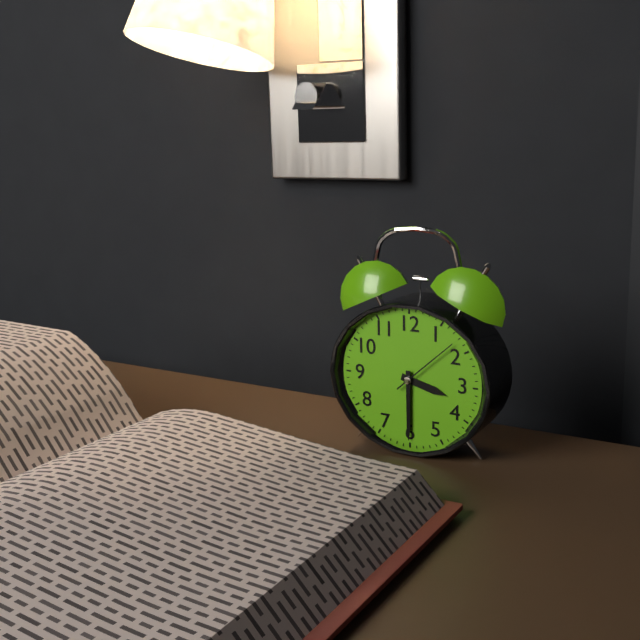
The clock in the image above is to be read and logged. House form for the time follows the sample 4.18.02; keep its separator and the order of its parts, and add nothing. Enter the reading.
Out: 3.30.08
